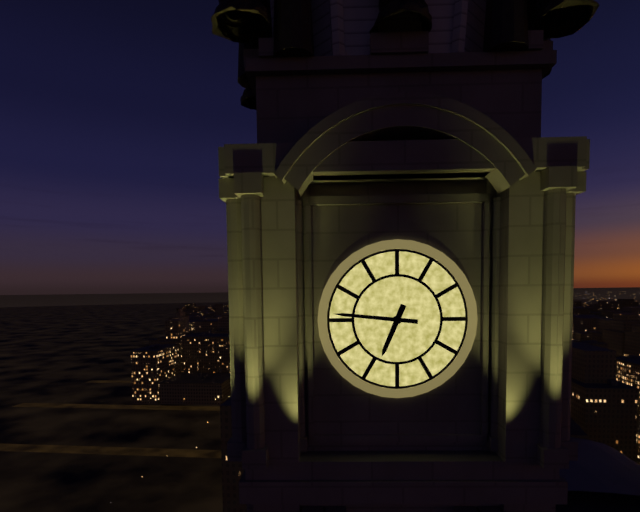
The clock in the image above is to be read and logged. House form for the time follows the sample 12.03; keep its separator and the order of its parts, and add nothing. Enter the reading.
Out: 6.46
